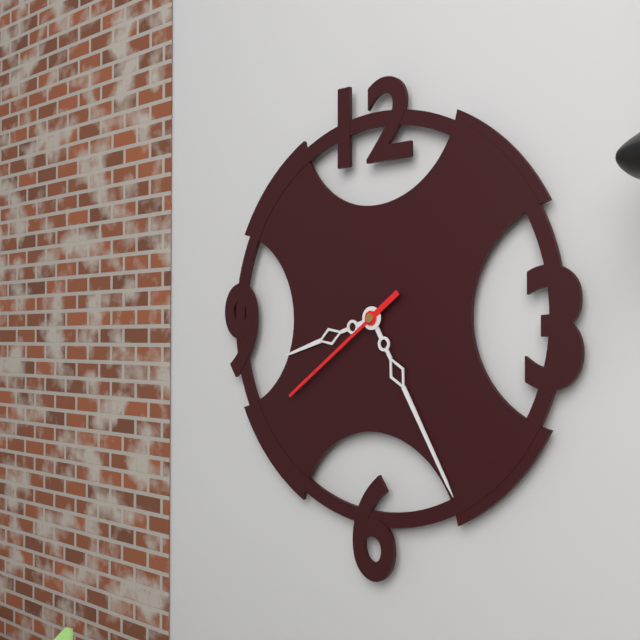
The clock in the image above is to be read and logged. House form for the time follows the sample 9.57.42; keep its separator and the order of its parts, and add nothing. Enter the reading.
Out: 8.25.39
